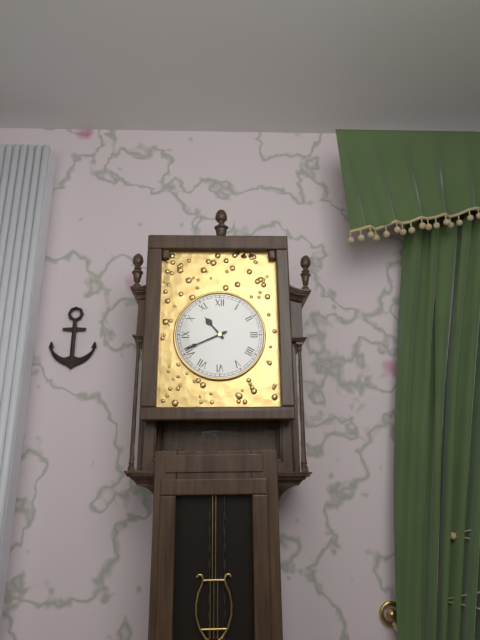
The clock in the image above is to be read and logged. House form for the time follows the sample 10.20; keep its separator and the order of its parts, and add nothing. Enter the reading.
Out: 10.41
